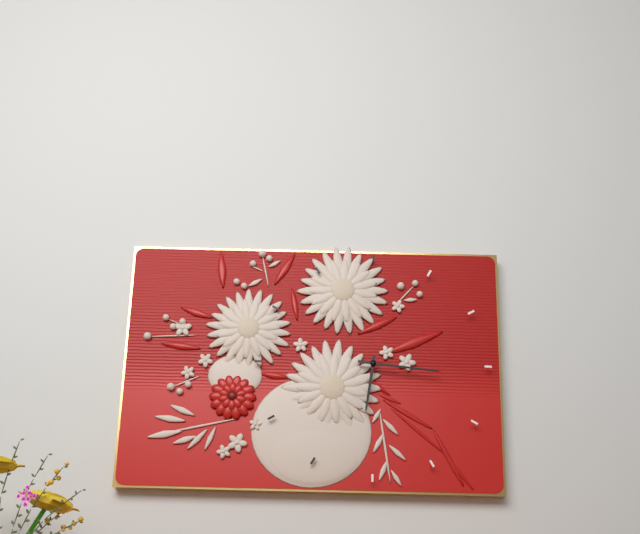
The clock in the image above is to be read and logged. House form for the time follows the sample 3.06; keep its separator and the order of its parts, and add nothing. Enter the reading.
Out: 6.16
